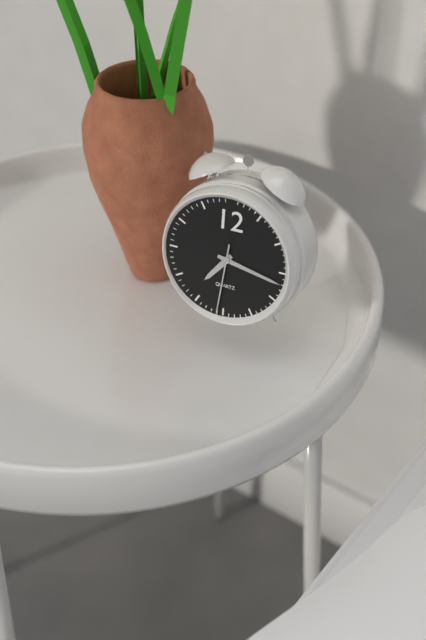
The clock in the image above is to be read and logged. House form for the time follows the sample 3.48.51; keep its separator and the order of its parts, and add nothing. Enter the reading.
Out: 7.17.31
